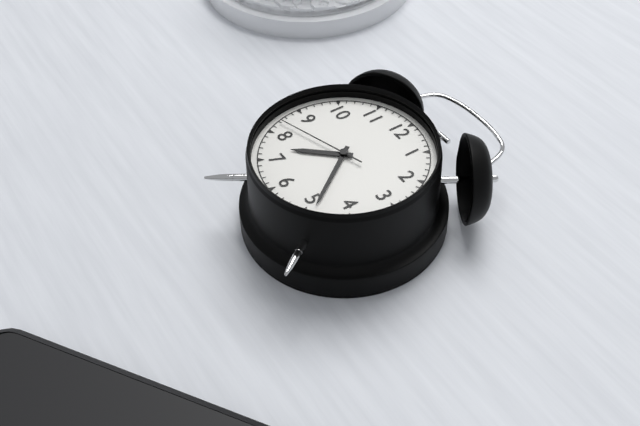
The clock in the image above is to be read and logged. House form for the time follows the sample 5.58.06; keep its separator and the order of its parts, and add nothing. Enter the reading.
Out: 7.24.42
